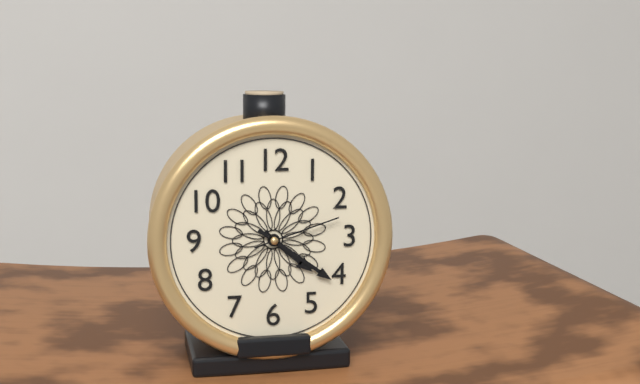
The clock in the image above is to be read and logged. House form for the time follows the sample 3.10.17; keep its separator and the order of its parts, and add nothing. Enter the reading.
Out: 4.21.12
